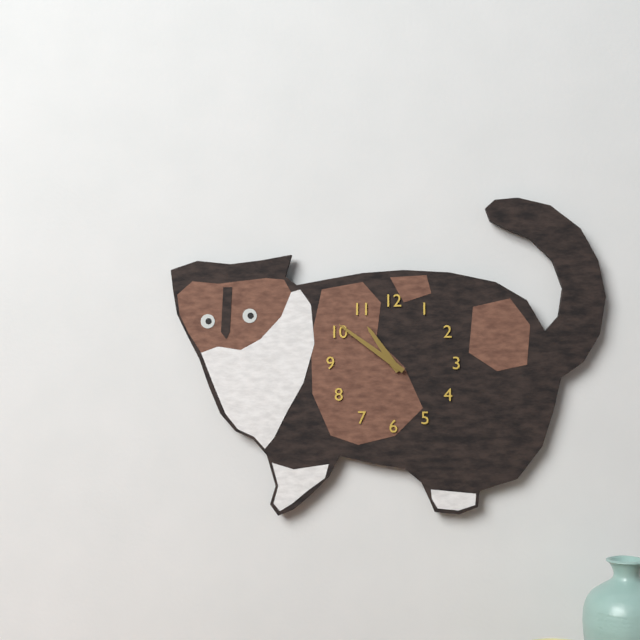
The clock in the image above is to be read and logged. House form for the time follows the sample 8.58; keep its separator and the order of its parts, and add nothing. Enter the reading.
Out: 10.51
